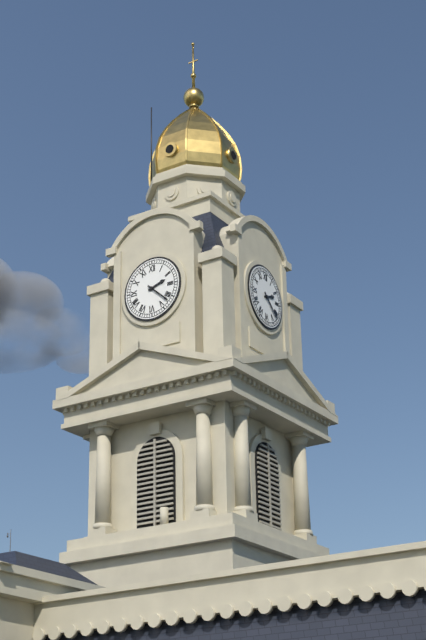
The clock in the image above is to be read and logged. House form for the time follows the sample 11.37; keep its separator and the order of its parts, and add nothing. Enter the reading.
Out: 2.22
